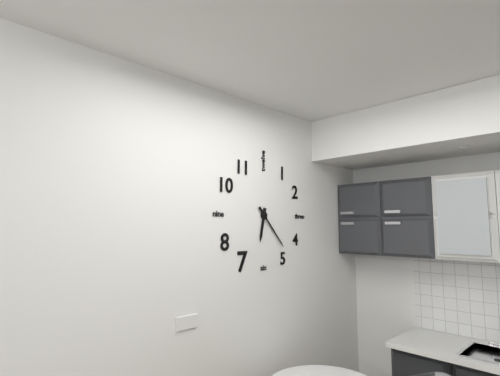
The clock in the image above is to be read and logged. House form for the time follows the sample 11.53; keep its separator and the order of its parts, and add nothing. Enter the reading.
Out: 6.23
